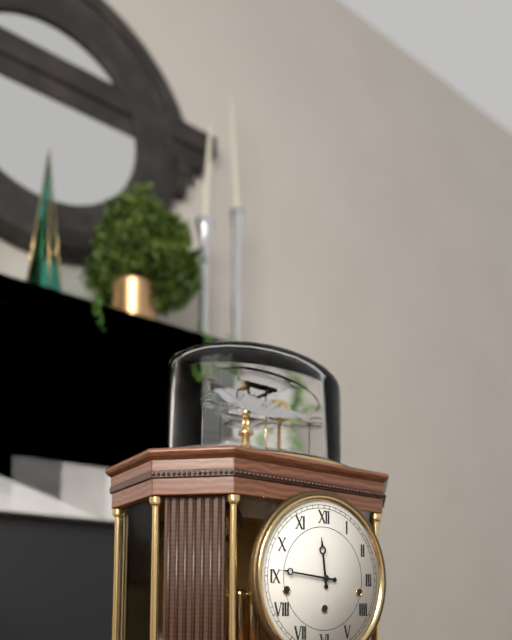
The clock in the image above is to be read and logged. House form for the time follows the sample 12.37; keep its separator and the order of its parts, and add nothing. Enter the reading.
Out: 11.46
